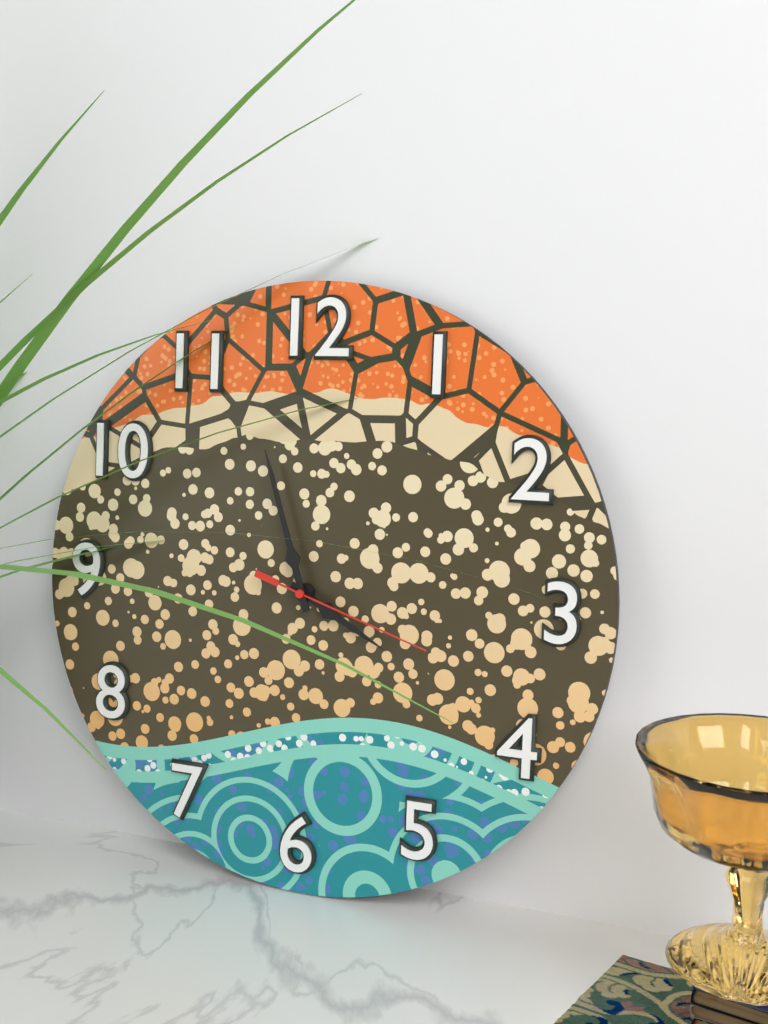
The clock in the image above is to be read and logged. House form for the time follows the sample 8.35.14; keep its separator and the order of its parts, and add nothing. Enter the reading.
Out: 3.57.18
